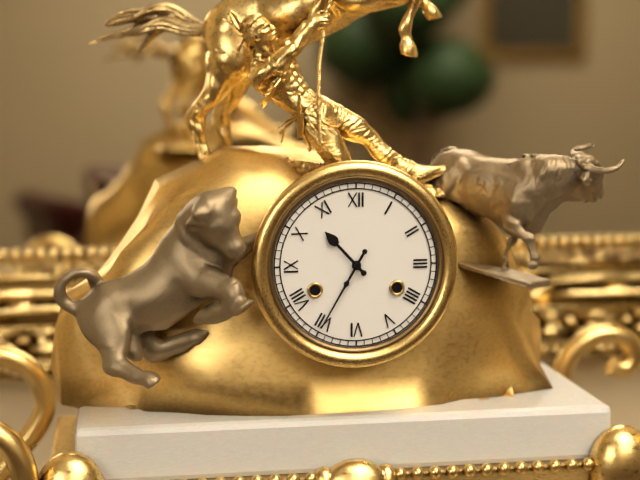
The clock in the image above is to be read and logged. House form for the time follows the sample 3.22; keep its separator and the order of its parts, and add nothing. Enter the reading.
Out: 10.35
